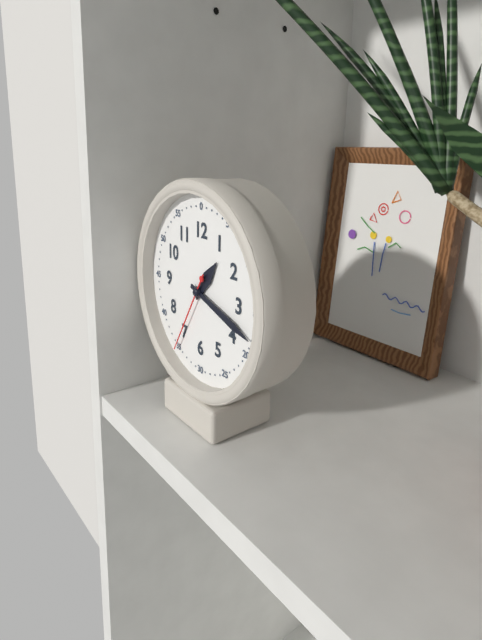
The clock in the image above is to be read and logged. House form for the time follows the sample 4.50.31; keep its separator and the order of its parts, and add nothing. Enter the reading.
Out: 1.18.35
